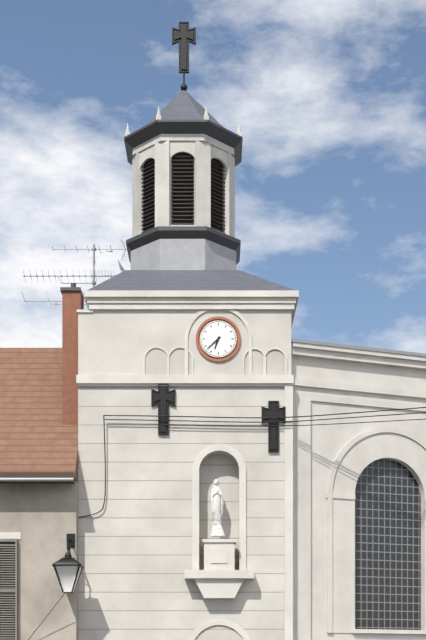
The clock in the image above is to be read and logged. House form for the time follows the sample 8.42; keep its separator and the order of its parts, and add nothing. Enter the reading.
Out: 6.38
